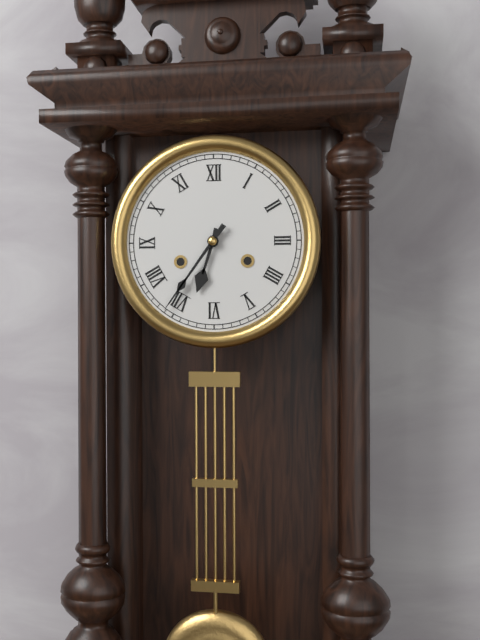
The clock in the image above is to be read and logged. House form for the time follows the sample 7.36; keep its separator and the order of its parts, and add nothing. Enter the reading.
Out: 6.36
